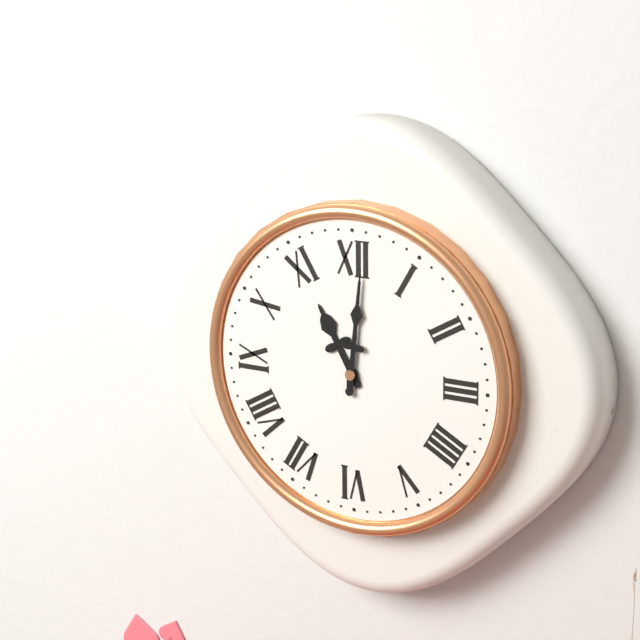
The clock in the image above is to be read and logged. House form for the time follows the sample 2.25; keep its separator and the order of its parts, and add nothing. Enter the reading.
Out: 11.01
